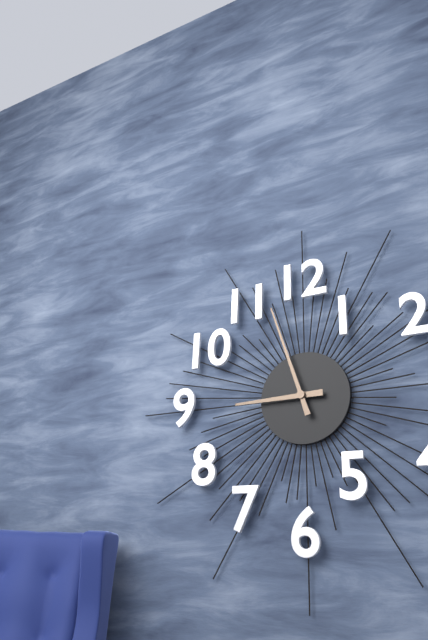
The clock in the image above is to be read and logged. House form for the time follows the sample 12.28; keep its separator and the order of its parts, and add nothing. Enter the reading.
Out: 8.57
